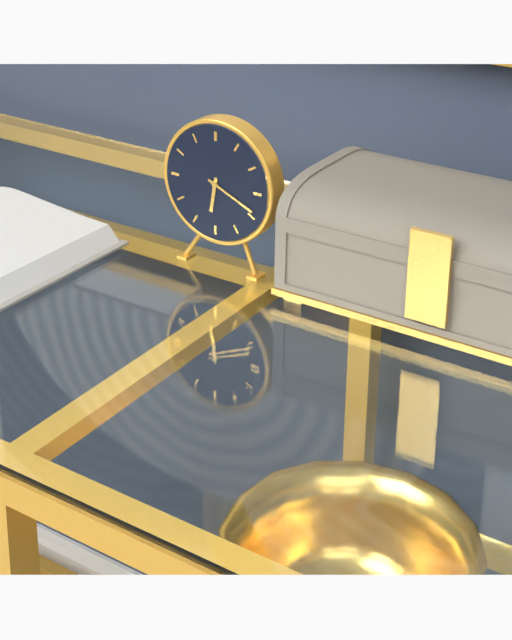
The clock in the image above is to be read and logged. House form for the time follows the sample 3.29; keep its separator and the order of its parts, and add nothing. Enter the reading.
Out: 6.19
